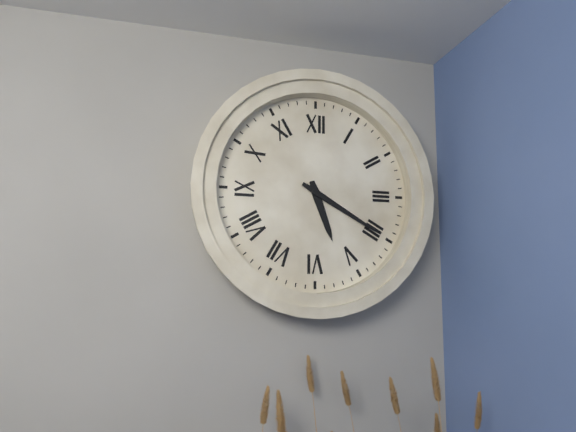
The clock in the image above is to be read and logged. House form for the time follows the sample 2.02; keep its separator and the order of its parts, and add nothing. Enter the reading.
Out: 5.20
